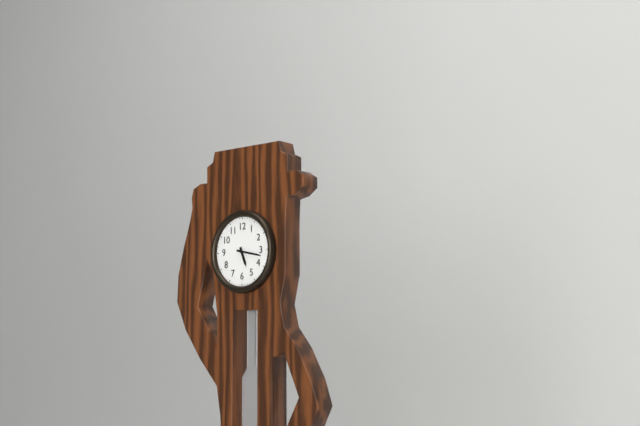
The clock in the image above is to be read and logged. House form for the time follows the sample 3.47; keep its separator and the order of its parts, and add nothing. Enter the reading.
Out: 5.17
